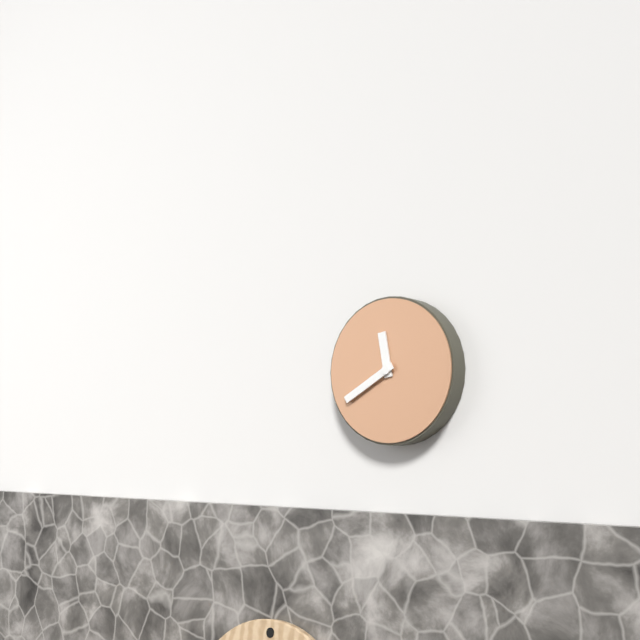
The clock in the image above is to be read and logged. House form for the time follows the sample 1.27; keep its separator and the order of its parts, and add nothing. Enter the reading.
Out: 11.40
